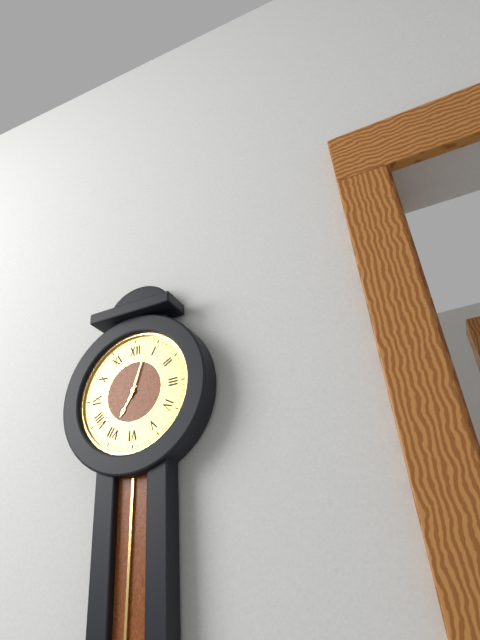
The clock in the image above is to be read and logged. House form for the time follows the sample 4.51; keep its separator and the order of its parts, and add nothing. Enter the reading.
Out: 7.03
